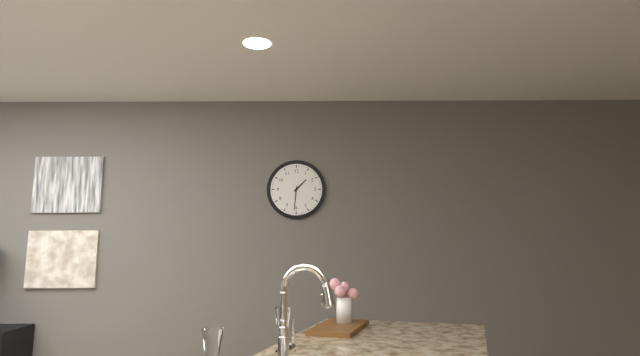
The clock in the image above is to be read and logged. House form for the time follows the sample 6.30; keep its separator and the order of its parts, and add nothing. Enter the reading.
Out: 1.31
